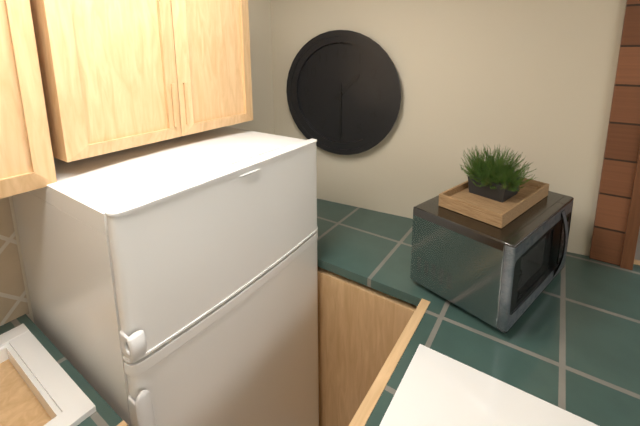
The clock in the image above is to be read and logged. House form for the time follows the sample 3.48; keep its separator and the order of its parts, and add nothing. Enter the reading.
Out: 1.30
